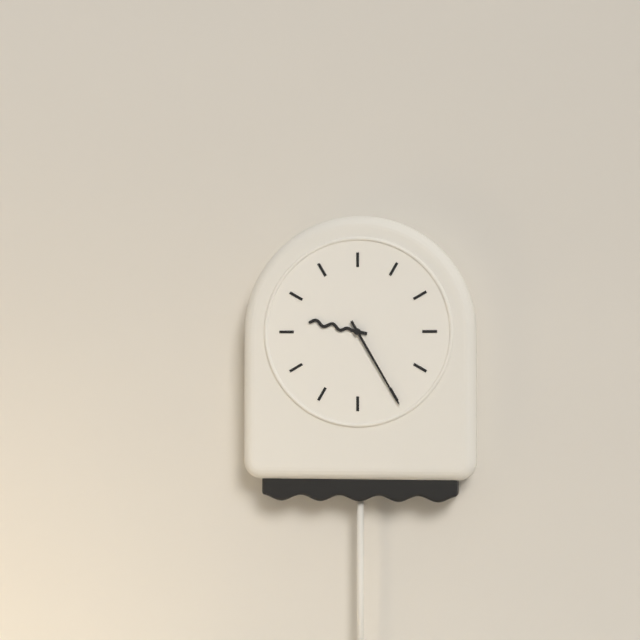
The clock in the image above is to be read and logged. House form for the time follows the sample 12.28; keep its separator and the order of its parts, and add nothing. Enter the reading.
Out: 9.25
